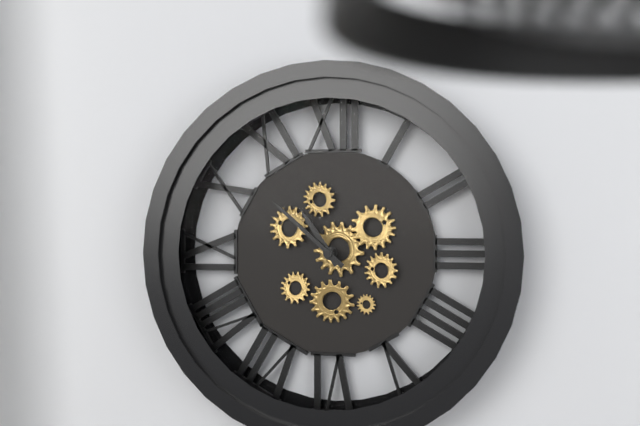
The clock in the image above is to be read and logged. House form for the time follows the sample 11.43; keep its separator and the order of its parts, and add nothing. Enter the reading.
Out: 10.52
